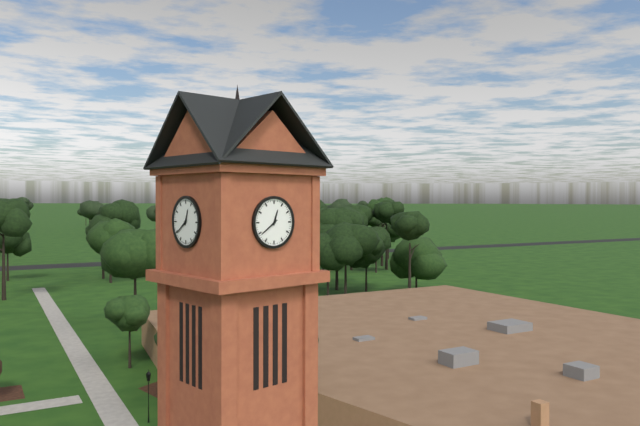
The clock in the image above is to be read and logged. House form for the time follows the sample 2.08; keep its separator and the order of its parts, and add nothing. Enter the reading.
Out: 12.39
